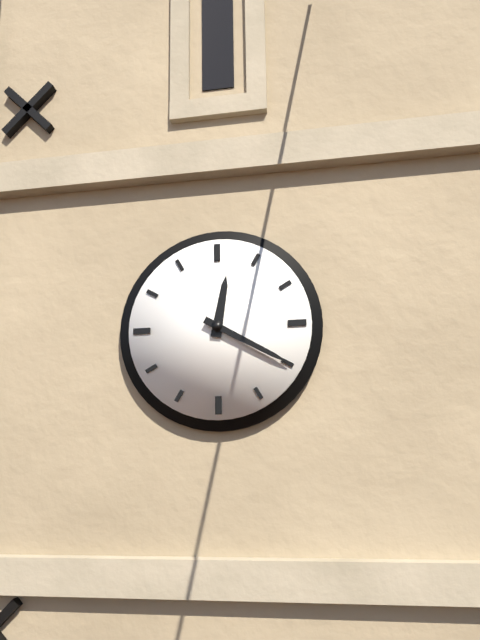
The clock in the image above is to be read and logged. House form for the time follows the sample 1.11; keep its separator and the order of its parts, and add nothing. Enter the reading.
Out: 12.20
